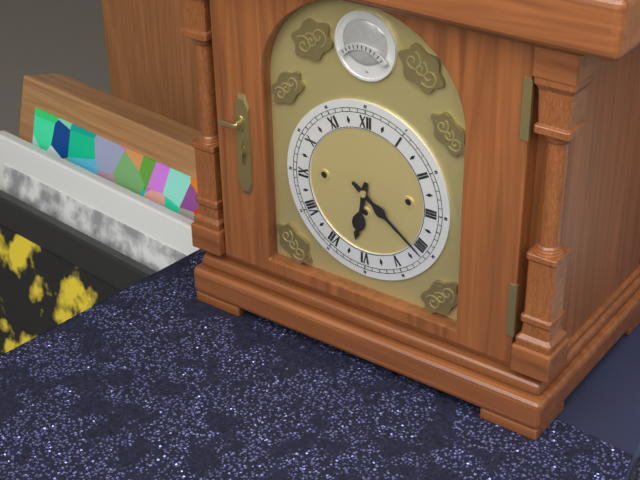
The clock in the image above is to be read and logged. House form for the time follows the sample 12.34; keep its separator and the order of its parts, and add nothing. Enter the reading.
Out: 6.21
